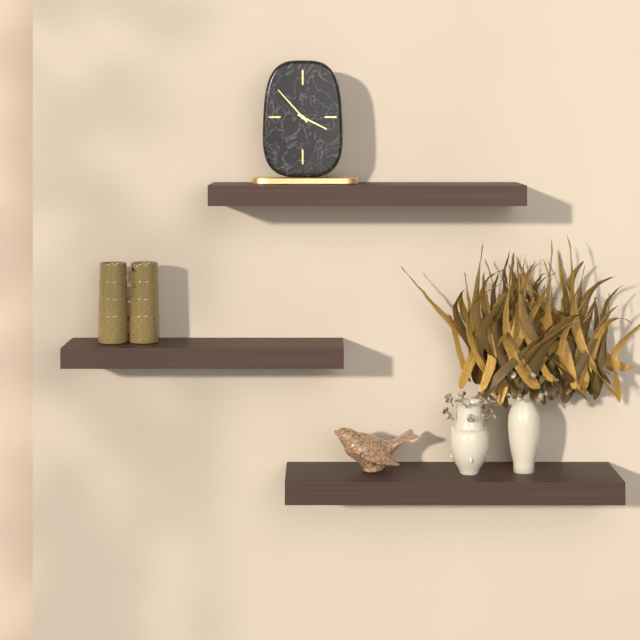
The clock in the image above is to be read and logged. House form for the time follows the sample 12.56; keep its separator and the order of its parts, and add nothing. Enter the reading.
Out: 3.53
